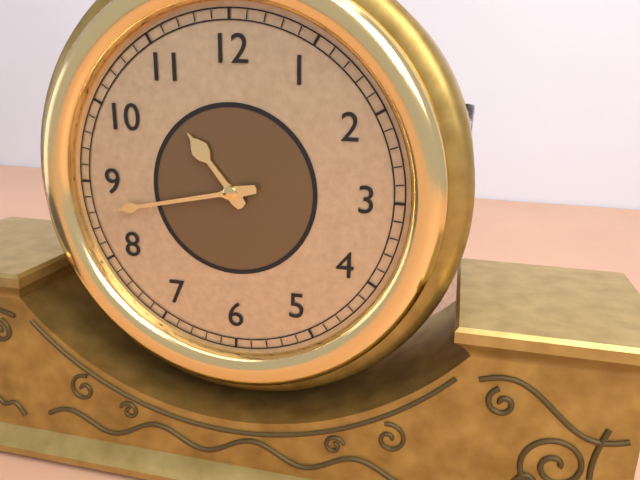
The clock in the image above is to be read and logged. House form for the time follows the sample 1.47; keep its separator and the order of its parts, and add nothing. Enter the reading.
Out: 10.43
